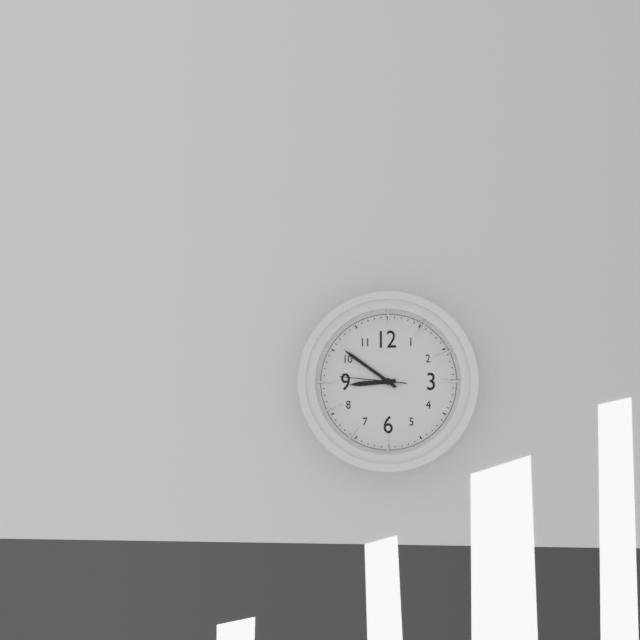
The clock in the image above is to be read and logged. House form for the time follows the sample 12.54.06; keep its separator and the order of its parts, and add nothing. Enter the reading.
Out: 8.51.46
